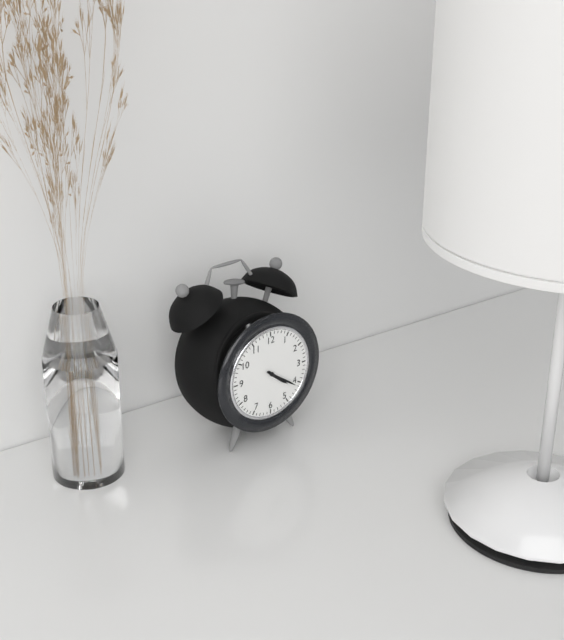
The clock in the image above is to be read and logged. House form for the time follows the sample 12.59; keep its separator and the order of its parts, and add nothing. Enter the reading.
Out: 4.21
